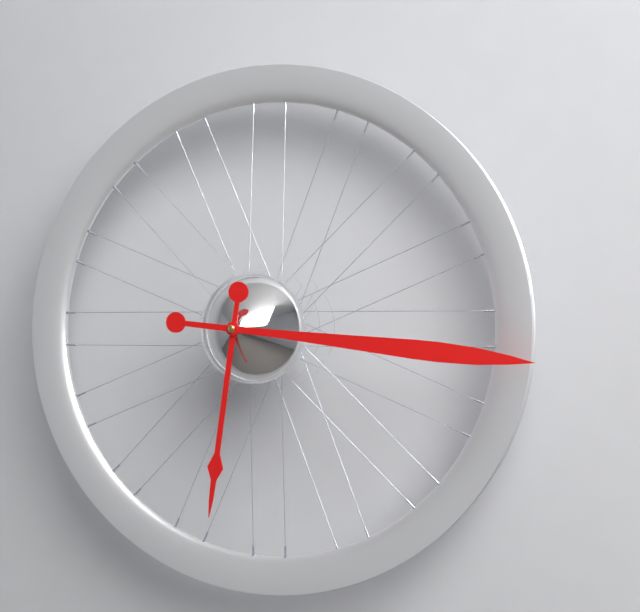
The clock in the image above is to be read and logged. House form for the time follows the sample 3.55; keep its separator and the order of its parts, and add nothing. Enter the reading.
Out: 6.16
